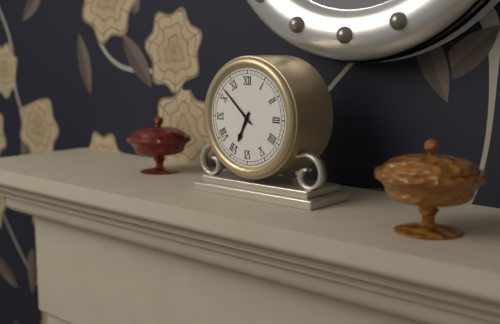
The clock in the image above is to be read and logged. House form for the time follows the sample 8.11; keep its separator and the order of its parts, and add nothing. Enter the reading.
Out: 6.52
